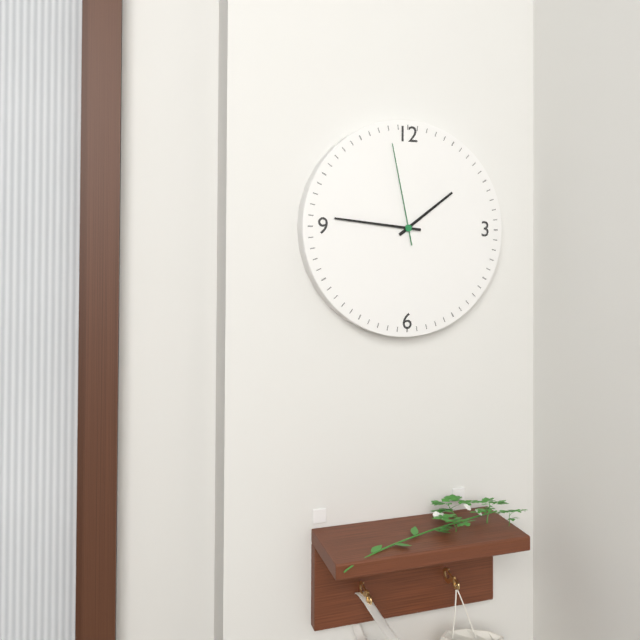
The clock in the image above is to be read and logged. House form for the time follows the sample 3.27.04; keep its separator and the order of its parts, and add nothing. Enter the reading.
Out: 1.46.58
